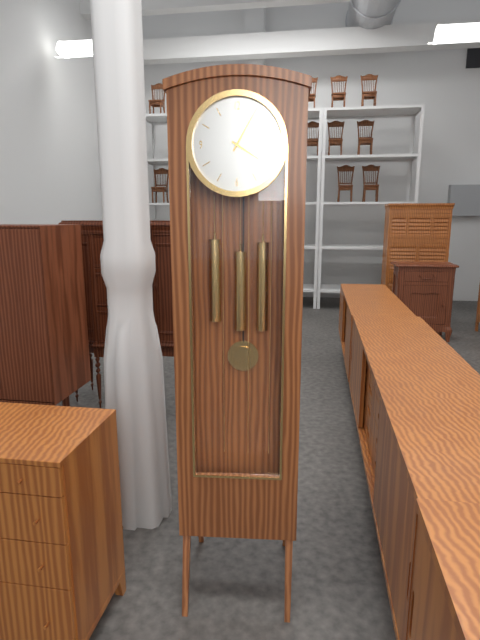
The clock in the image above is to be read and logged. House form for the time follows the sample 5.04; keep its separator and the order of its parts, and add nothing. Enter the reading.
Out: 4.05
